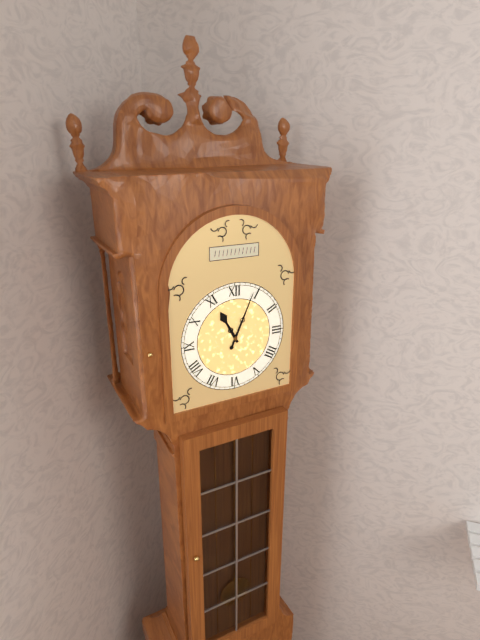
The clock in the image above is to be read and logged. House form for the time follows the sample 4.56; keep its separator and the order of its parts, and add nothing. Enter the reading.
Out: 11.04
